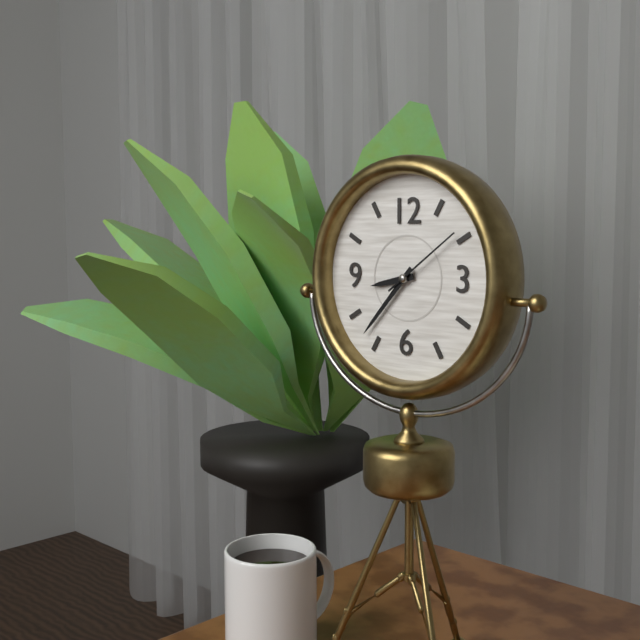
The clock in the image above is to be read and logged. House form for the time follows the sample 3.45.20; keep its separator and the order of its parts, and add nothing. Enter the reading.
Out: 8.37.09
